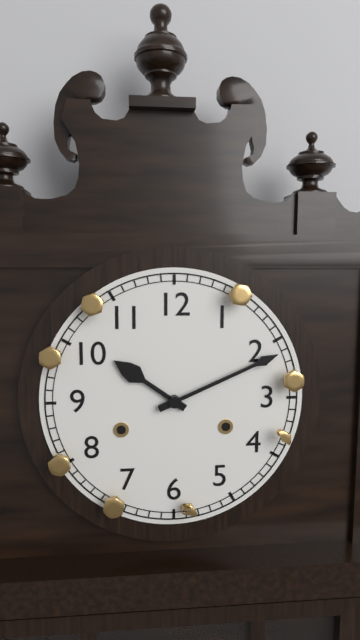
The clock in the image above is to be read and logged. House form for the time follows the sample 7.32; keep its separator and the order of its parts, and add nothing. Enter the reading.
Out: 10.11
